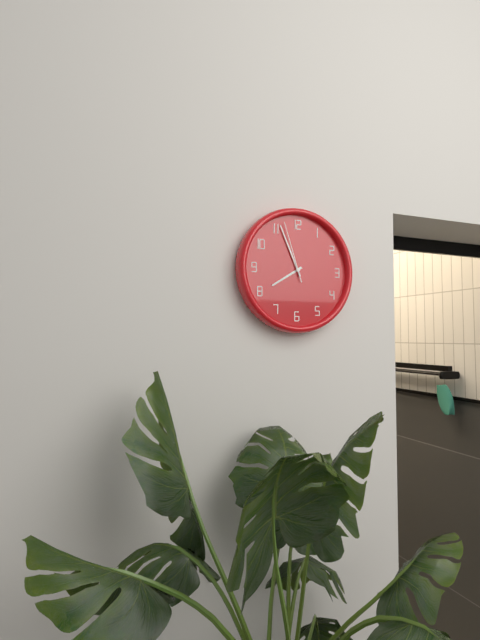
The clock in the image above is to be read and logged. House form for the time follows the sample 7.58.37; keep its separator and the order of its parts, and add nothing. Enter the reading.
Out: 7.56.57
